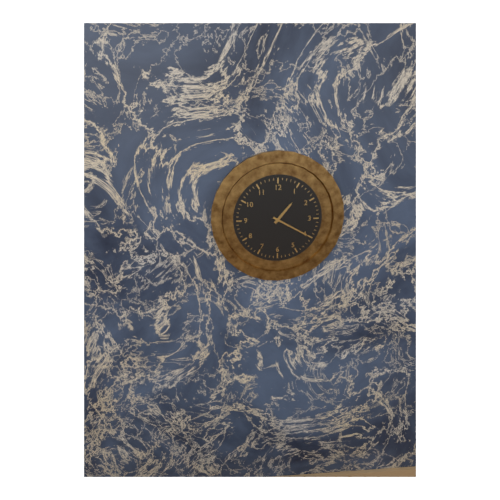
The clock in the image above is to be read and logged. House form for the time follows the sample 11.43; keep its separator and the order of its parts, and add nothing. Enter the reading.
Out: 1.20
